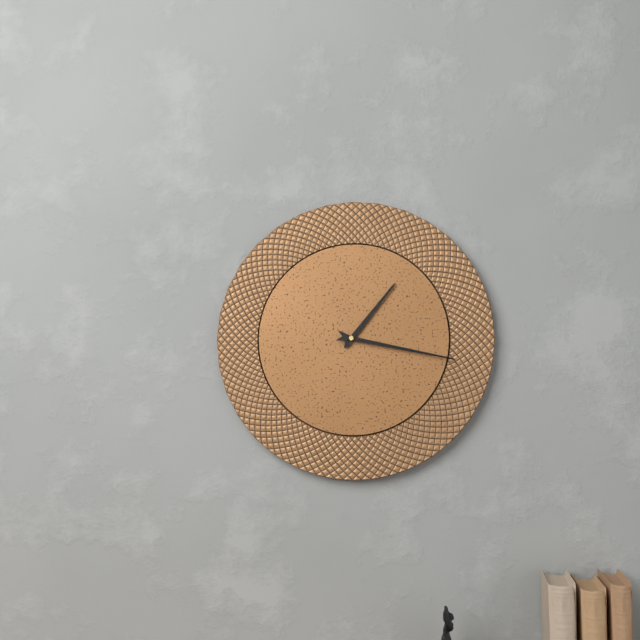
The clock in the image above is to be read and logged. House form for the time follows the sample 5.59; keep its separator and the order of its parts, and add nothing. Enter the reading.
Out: 1.17
